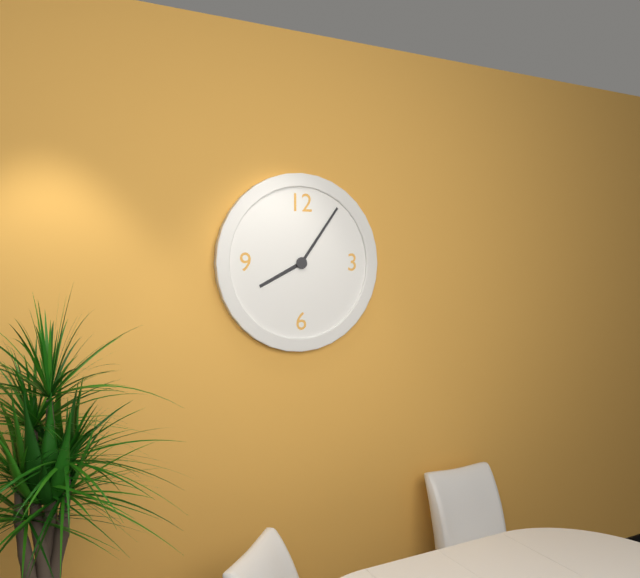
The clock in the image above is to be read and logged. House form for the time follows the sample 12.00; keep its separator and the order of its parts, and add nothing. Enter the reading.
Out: 8.06
